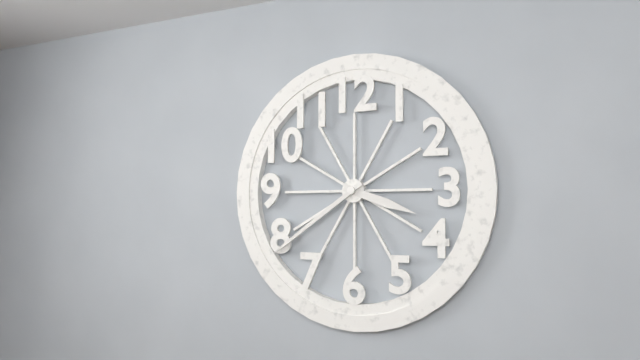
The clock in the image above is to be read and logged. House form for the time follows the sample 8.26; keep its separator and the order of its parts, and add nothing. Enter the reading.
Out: 3.39
